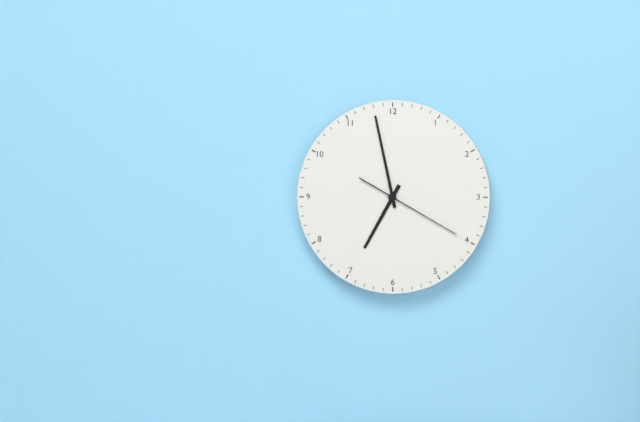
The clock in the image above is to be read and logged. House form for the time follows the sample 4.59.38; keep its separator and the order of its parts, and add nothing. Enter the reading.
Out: 6.58.20
